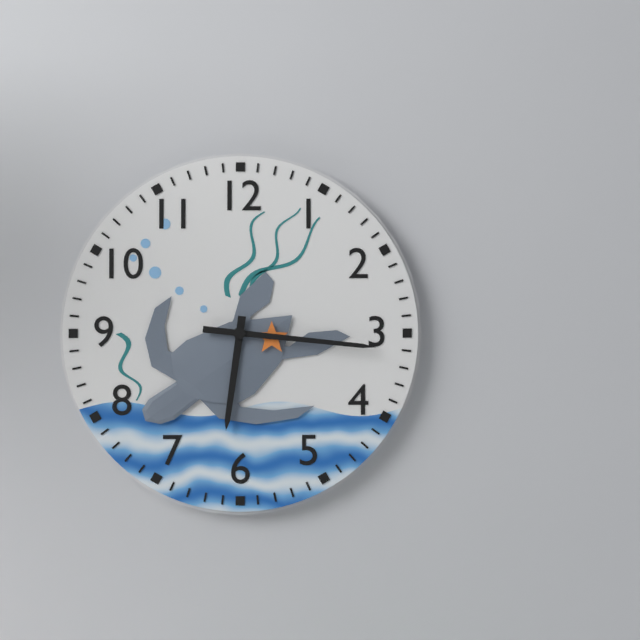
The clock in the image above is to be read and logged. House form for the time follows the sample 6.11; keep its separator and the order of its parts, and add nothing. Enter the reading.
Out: 6.16
